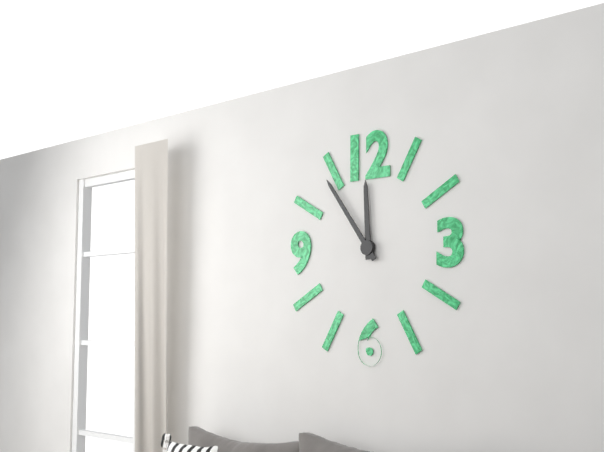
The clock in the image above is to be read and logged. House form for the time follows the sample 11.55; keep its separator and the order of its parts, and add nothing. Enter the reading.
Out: 11.54
